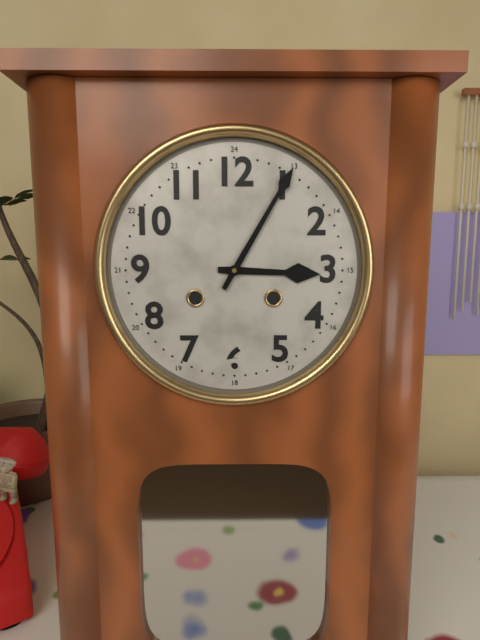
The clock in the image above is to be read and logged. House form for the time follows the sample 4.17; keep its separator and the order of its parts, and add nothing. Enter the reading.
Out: 3.05
